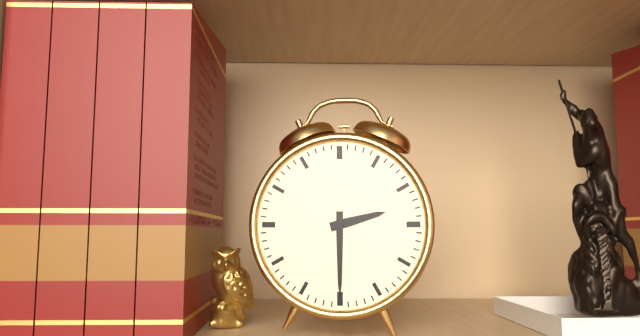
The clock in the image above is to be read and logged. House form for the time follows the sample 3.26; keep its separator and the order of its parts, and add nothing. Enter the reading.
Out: 2.30
